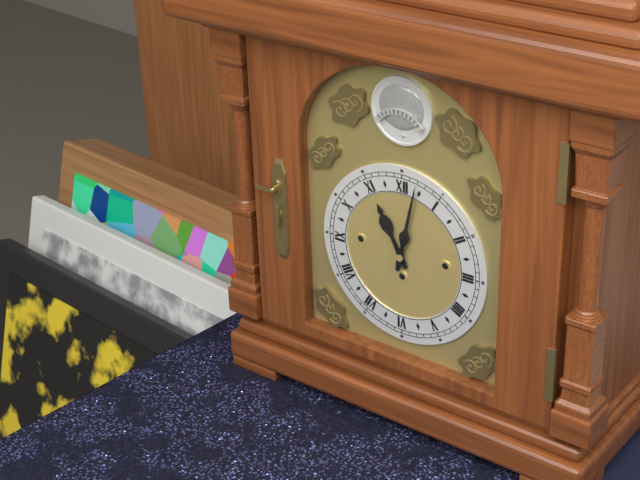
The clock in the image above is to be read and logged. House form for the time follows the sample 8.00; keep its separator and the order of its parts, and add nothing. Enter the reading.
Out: 11.02
